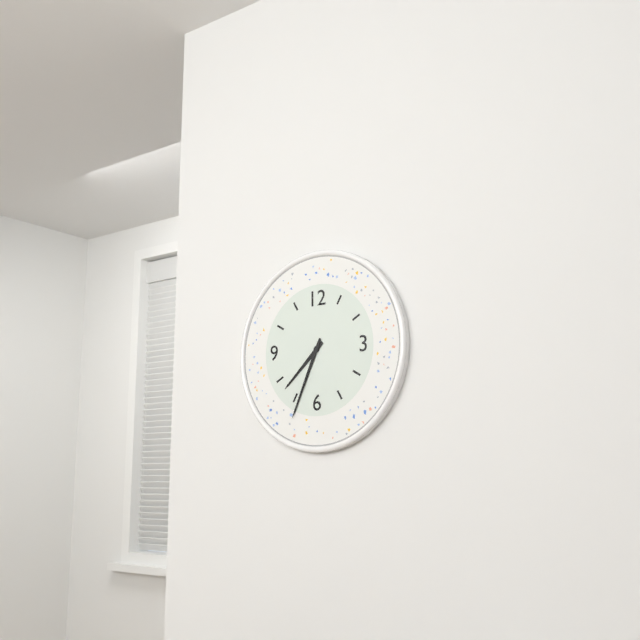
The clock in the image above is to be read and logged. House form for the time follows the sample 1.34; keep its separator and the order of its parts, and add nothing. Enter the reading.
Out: 7.34
